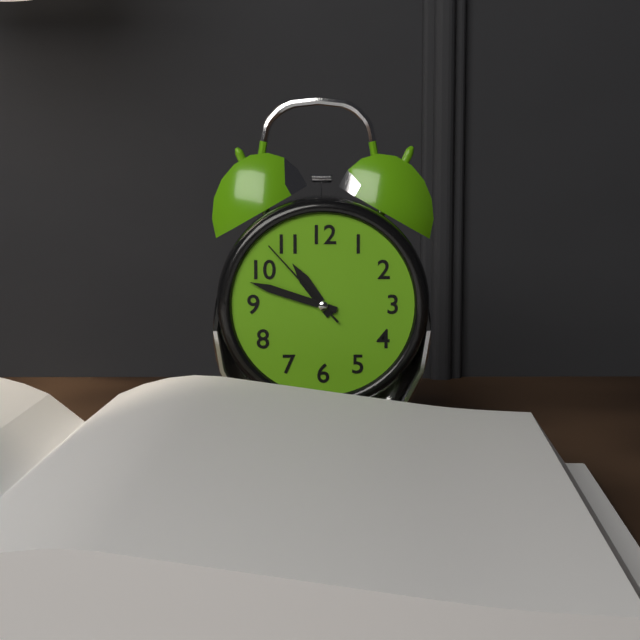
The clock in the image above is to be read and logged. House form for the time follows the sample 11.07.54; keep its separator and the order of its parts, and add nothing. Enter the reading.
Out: 10.48.53
